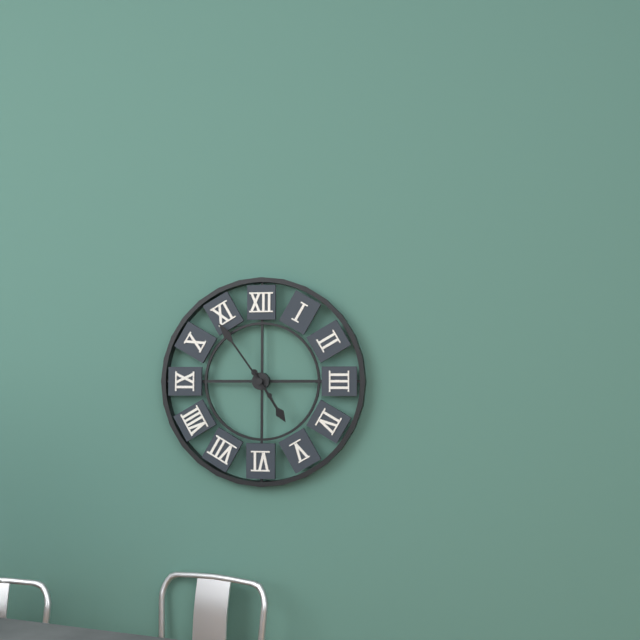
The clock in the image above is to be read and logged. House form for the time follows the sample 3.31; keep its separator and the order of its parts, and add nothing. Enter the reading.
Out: 4.54
